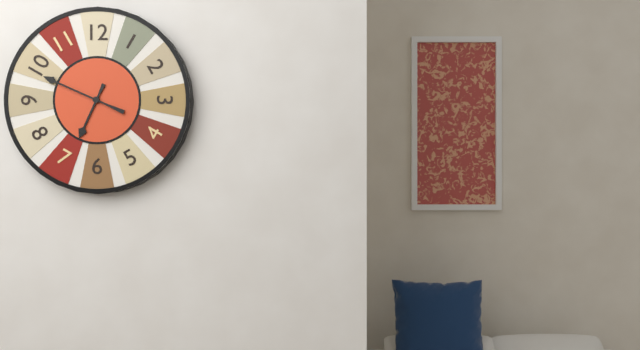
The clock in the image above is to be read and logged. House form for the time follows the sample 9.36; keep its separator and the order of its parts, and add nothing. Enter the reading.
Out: 6.49
